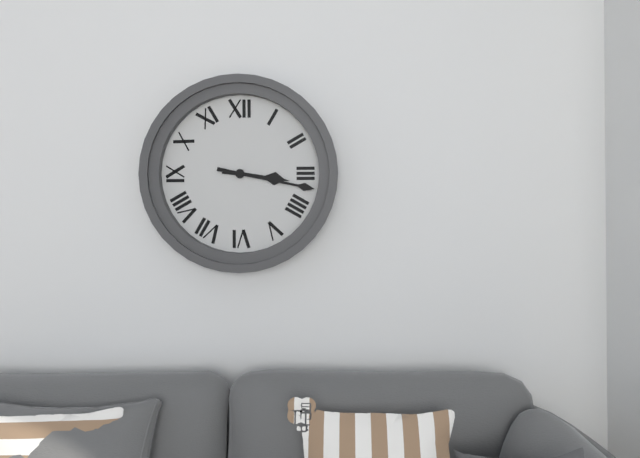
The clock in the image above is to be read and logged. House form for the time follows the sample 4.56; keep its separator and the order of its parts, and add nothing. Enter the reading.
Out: 3.17
